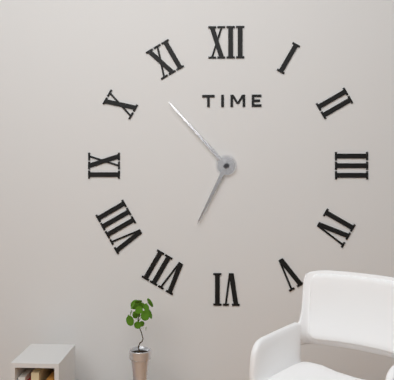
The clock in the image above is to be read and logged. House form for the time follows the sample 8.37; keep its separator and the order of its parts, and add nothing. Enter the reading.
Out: 6.53
